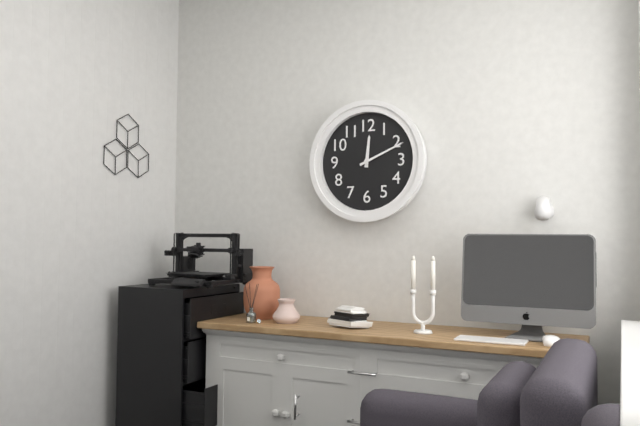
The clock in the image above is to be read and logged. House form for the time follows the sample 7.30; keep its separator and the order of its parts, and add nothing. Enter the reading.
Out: 12.11
